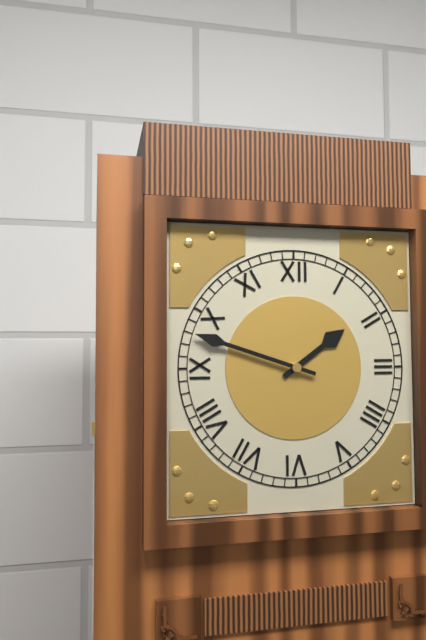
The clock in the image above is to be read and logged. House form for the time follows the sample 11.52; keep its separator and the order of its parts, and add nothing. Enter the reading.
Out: 1.48
